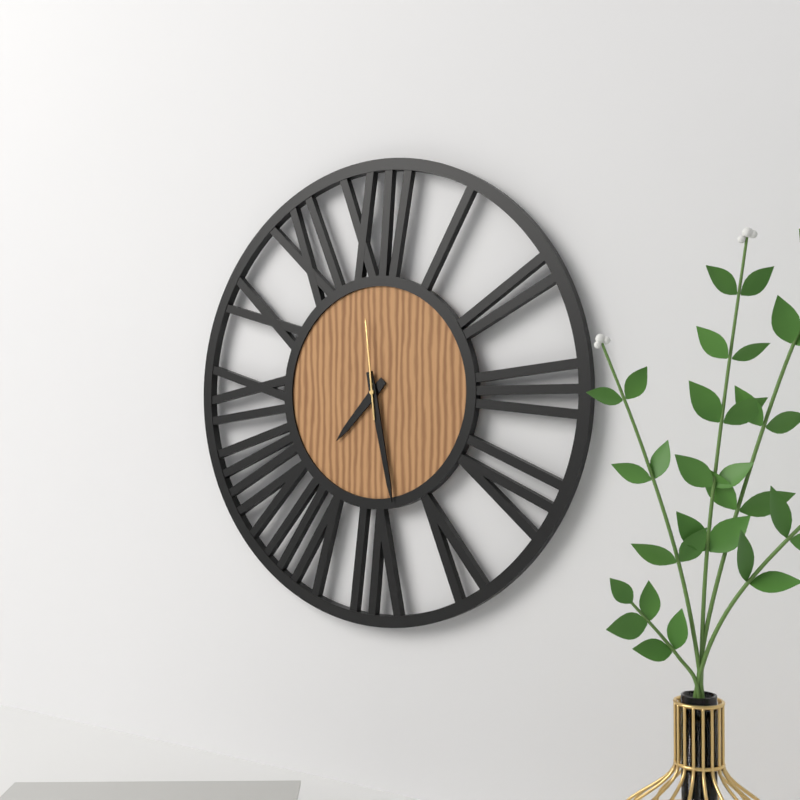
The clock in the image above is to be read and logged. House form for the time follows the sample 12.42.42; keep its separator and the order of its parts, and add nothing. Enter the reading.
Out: 7.28.59
